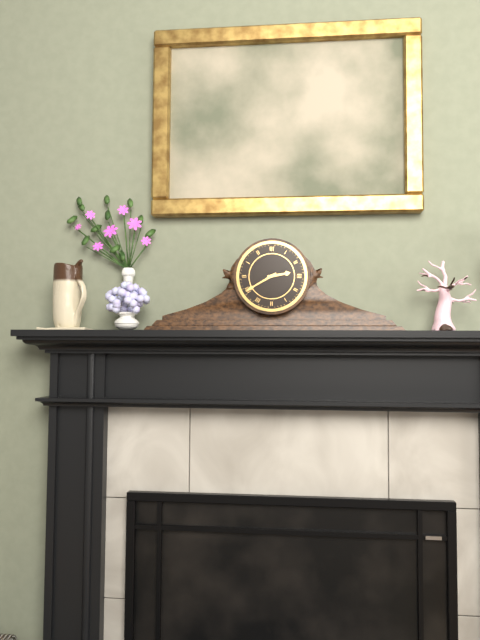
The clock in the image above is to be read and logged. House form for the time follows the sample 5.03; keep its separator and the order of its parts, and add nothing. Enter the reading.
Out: 2.40
